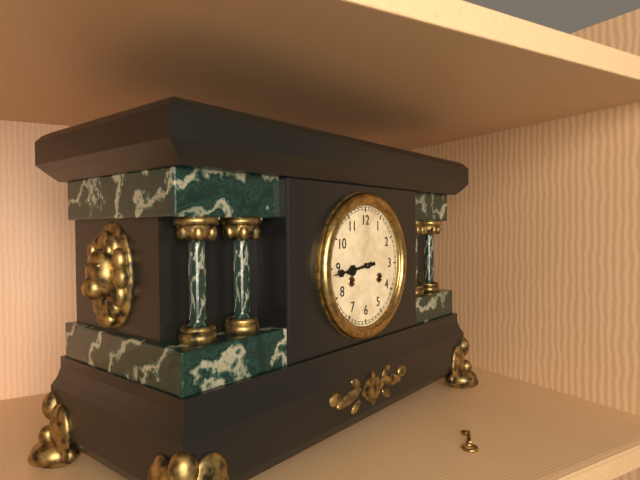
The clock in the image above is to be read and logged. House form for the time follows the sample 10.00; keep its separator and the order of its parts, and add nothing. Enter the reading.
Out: 8.44
